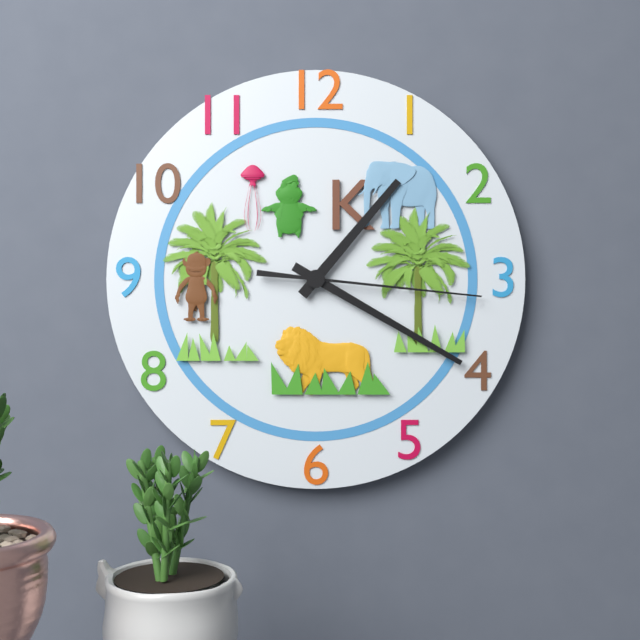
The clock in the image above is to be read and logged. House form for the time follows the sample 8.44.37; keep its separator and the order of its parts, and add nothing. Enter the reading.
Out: 1.20.16
